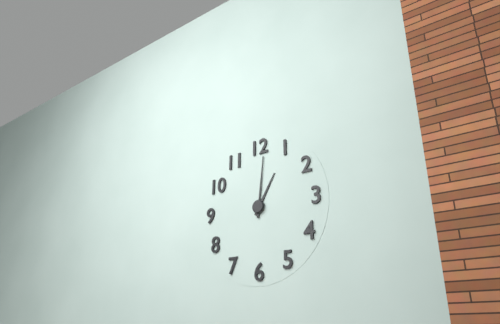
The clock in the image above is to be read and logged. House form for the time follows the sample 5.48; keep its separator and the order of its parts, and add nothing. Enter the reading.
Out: 1.01
